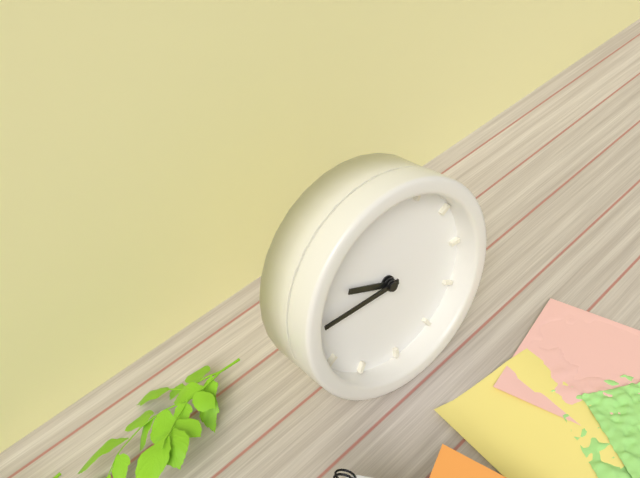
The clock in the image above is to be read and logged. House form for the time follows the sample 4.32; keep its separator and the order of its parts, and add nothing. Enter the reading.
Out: 9.45
